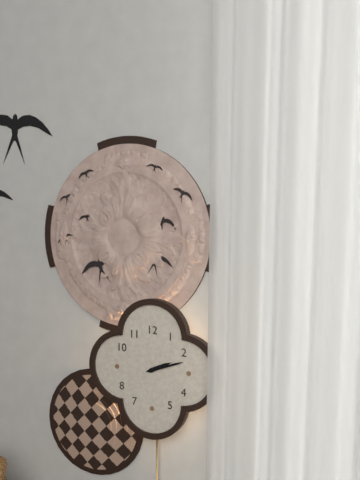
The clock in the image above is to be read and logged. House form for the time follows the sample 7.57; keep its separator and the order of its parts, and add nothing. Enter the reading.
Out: 2.12
